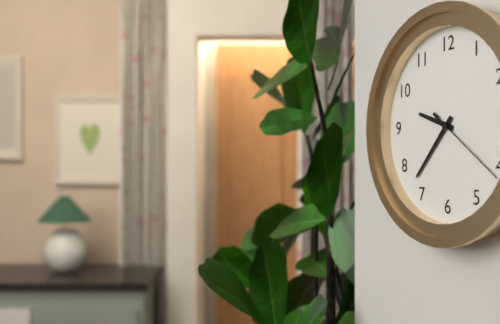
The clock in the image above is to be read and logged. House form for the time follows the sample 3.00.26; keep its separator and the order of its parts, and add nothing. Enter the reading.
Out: 9.37.21
